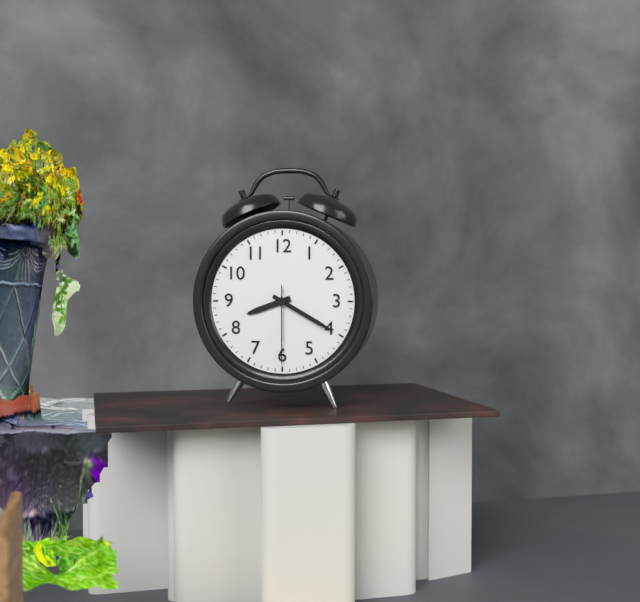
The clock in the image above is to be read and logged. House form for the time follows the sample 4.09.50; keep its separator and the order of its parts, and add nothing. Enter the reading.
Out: 8.20.30
